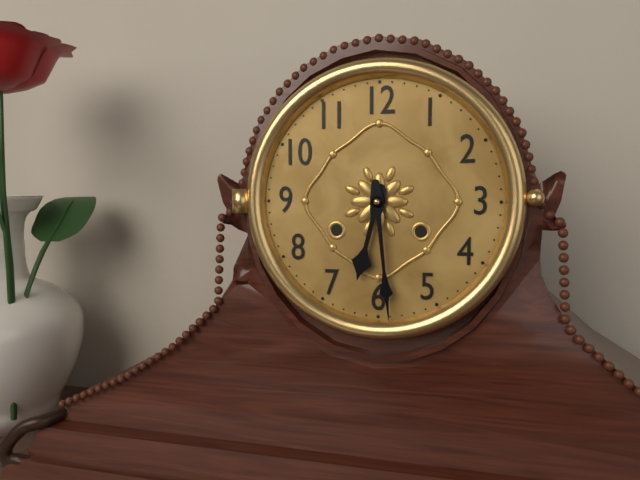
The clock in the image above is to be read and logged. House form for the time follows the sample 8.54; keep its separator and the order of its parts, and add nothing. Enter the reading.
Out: 6.29
